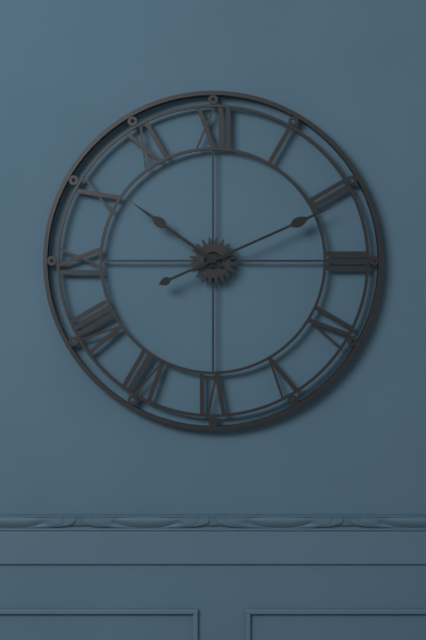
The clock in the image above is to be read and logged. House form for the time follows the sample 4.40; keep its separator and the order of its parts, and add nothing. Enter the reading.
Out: 10.11
